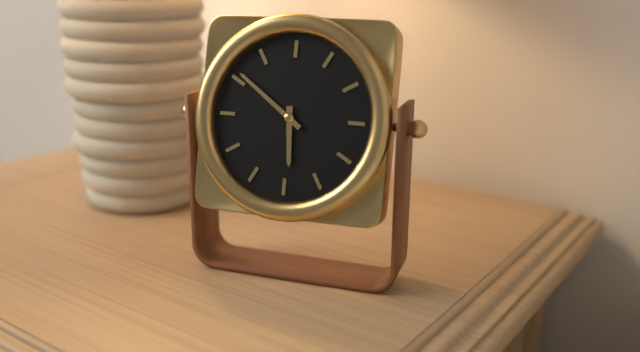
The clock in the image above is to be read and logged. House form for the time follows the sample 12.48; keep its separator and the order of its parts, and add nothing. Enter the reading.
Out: 5.51
